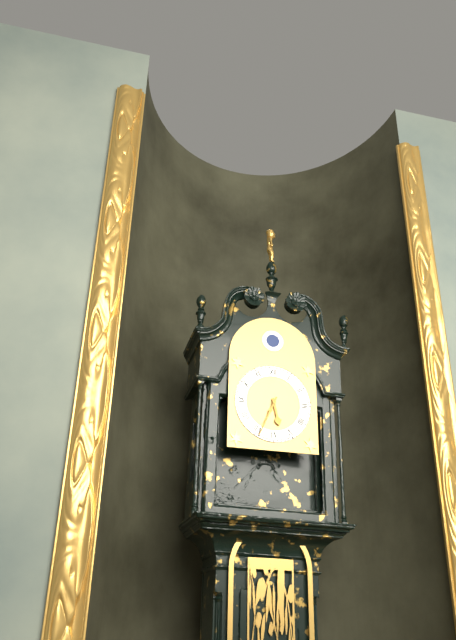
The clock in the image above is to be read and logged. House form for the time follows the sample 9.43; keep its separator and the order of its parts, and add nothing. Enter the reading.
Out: 5.34
